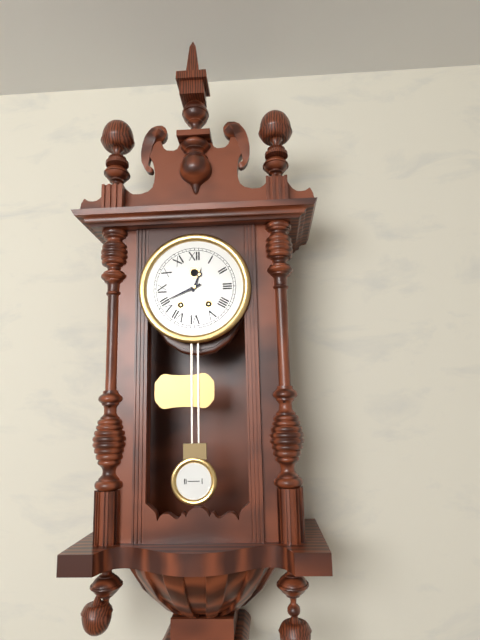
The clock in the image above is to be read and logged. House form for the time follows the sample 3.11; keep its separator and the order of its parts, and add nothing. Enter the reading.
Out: 12.41
